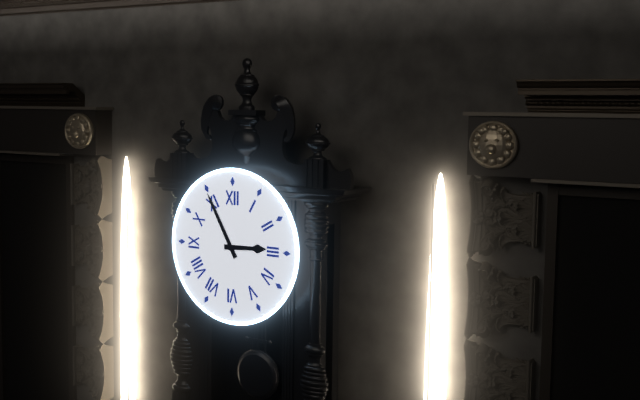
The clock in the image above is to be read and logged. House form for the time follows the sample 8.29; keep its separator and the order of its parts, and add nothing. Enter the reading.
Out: 2.55
